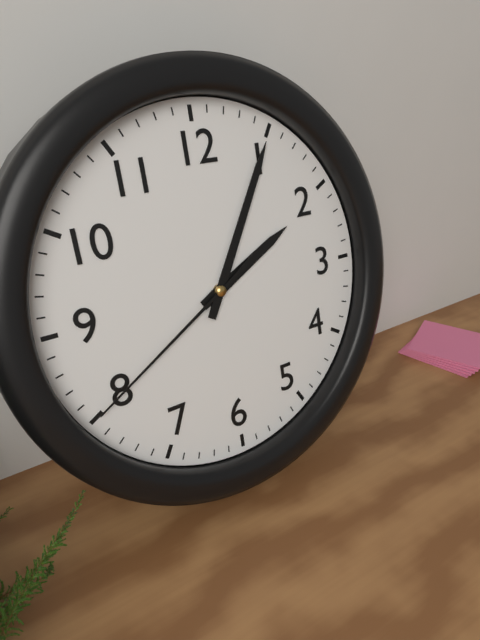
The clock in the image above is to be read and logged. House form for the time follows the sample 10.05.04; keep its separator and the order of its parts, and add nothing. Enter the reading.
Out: 2.05.40
